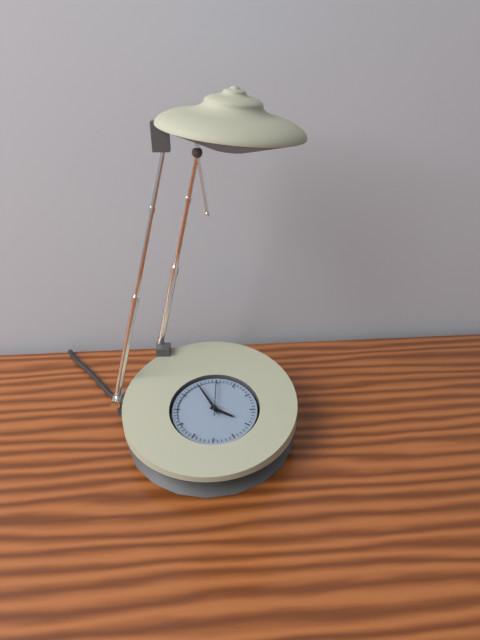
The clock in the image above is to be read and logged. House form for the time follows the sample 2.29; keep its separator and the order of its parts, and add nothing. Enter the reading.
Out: 3.55
